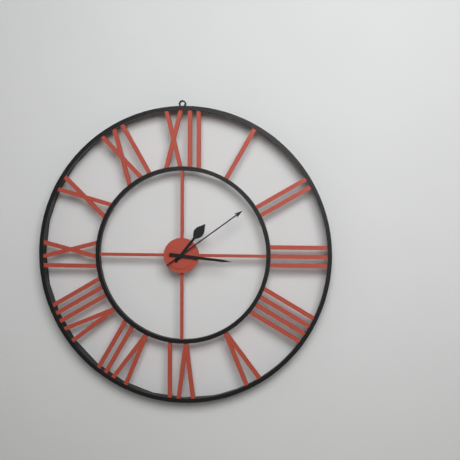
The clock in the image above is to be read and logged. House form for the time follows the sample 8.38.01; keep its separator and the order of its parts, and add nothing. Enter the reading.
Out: 1.16.09
